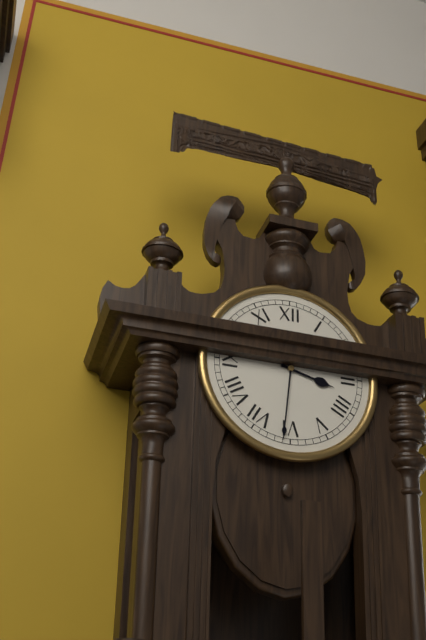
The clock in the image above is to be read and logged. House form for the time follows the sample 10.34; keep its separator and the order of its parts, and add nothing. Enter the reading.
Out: 3.31
